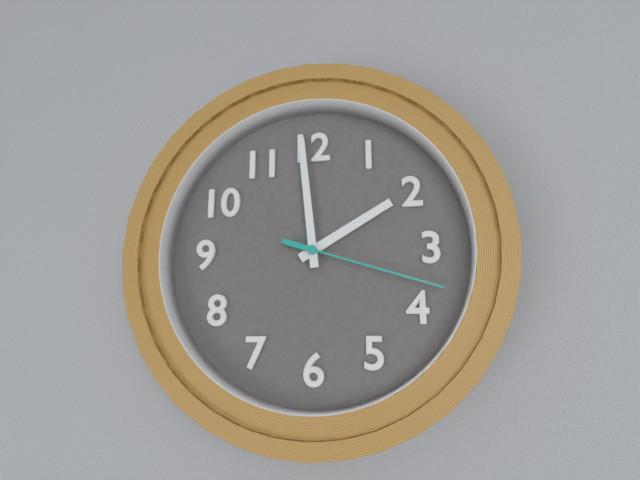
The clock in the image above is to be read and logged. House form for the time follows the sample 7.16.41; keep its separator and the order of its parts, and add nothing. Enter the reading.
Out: 1.59.18
